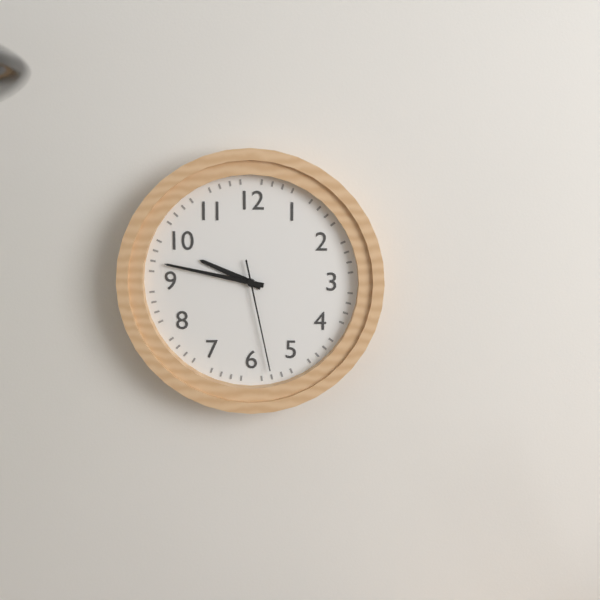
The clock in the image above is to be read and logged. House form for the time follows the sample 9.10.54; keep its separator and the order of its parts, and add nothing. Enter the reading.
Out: 9.47.28
